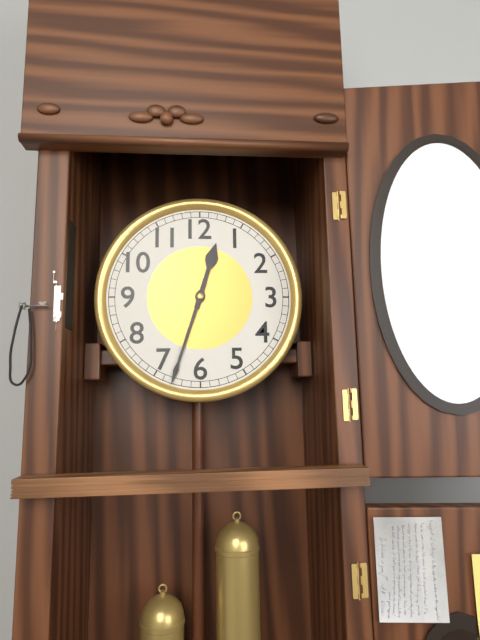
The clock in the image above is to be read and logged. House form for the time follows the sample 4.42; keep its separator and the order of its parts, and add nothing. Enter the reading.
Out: 12.33
